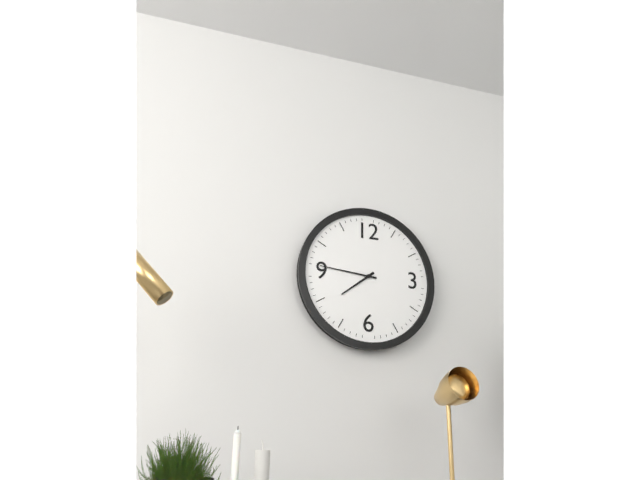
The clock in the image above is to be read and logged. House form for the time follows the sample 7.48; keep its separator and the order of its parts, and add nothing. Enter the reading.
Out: 7.46
